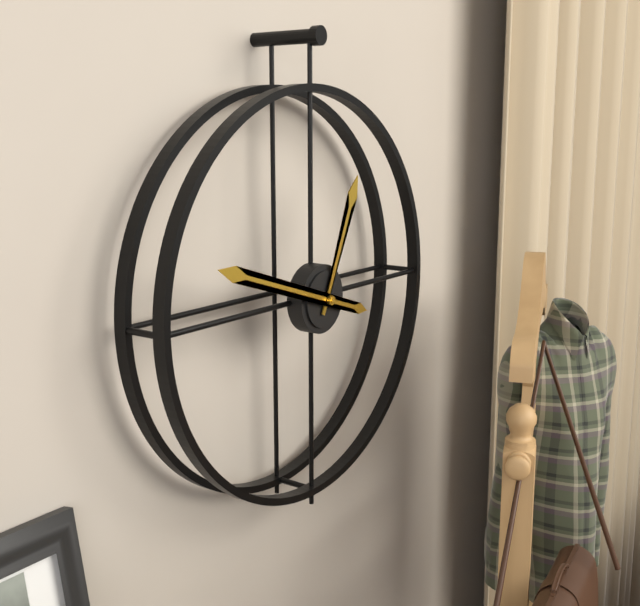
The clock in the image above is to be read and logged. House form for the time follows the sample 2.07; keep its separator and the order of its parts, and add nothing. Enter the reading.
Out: 12.48
